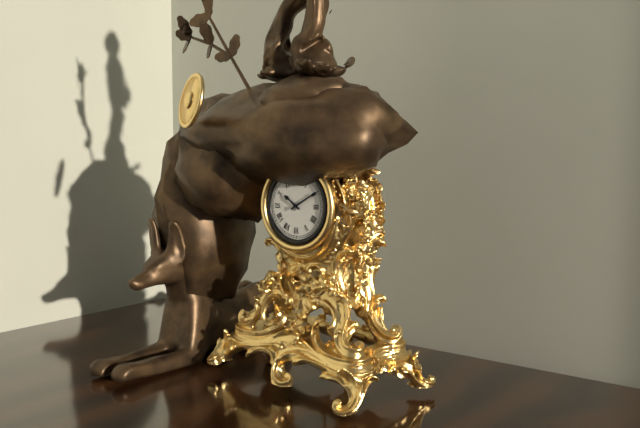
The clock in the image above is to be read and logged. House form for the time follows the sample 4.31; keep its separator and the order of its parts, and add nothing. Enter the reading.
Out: 10.10
